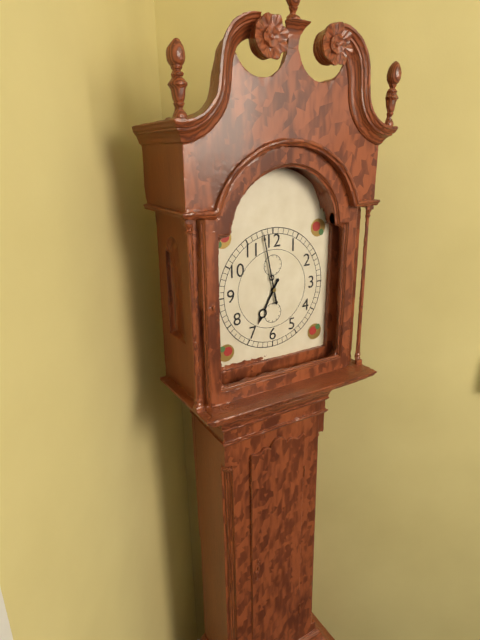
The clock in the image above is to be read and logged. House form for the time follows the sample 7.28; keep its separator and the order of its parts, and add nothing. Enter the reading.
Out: 6.58
